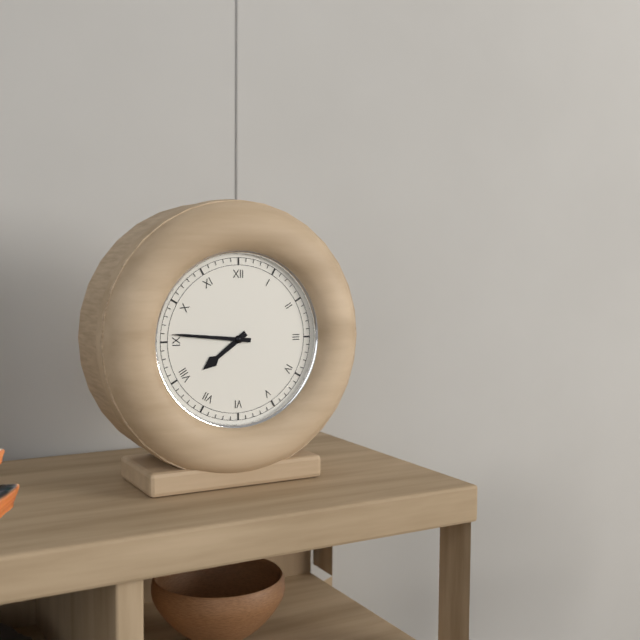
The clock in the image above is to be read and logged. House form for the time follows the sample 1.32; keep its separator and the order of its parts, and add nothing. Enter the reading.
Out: 7.46
